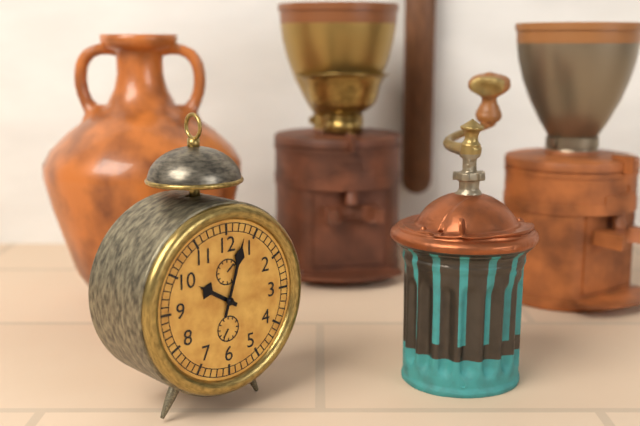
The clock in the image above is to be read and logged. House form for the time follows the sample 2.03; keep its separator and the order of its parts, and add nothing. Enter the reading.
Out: 10.03
